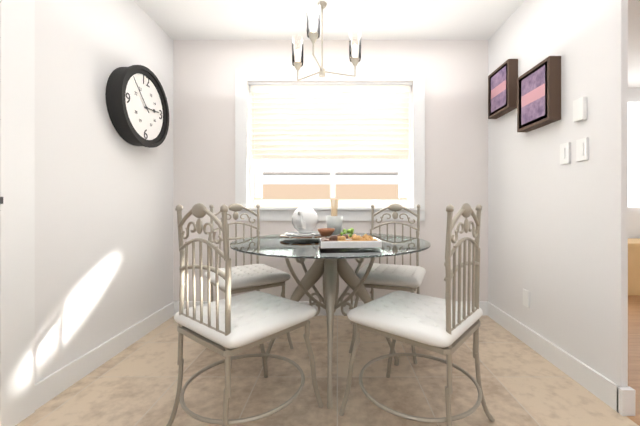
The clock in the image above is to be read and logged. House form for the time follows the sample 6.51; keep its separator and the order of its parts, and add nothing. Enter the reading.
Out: 2.53
